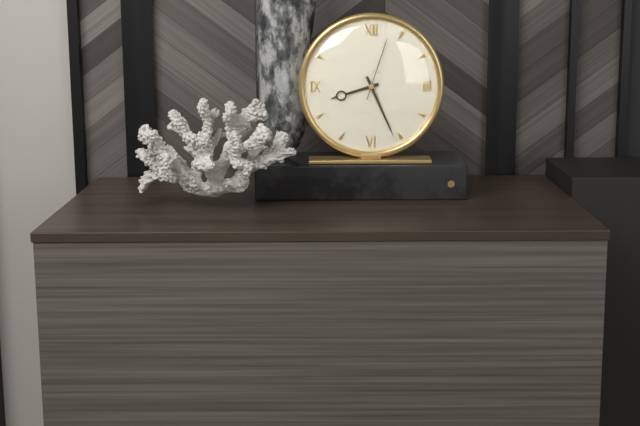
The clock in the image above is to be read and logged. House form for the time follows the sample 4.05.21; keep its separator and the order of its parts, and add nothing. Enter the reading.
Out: 8.26.03
